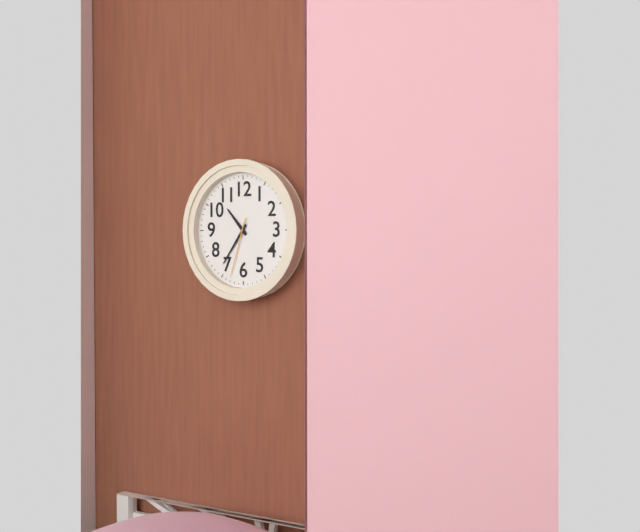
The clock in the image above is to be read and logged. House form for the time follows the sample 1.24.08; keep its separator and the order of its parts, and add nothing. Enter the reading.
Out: 10.36.33
